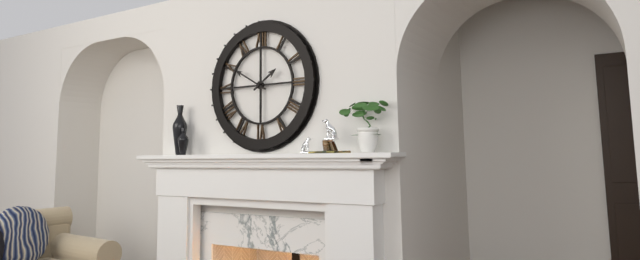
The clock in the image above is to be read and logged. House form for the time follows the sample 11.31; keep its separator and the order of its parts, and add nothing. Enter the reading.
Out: 1.50
